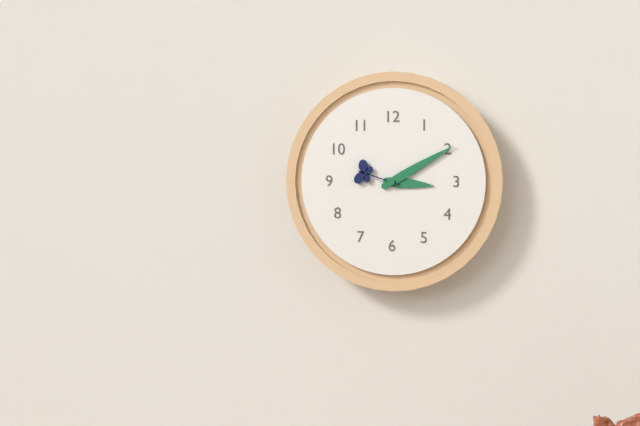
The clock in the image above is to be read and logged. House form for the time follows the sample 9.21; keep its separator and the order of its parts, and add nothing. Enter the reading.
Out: 3.10
